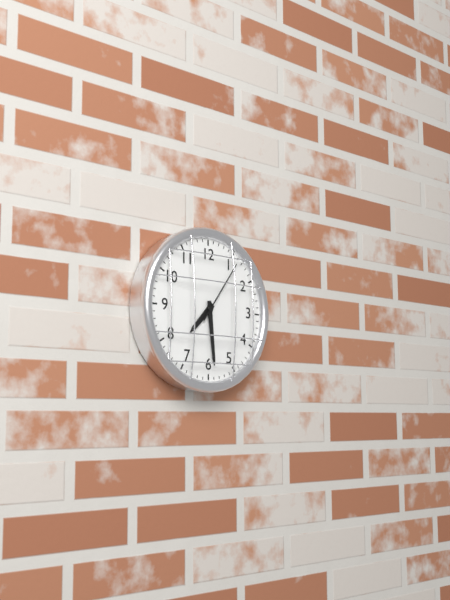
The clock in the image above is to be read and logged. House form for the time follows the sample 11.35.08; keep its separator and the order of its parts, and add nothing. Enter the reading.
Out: 7.29.06
